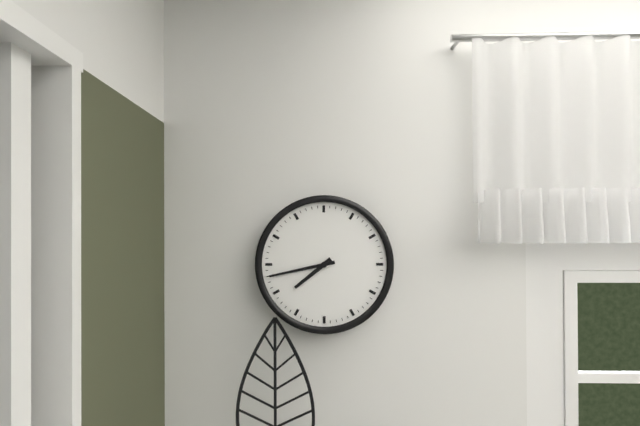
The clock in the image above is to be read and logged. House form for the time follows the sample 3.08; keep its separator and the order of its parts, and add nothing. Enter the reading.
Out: 7.43
